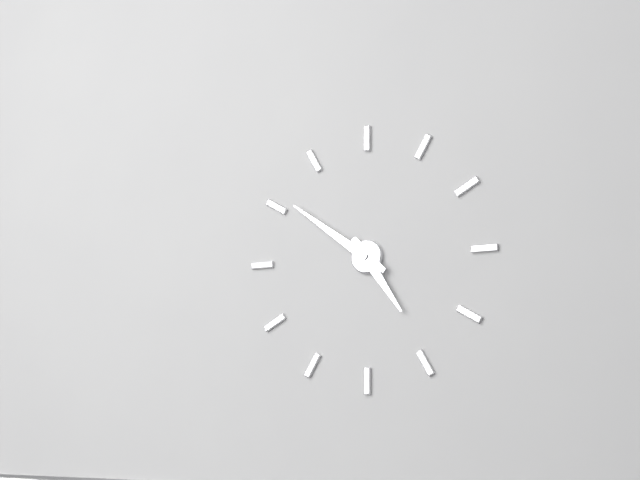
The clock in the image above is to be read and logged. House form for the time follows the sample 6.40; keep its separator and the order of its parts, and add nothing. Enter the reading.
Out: 4.51
